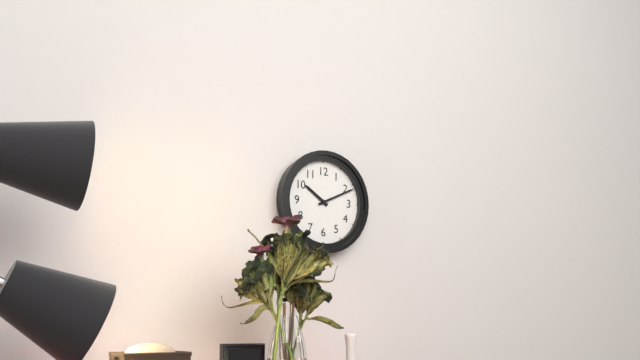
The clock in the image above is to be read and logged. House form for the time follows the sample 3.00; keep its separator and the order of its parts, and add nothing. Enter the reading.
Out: 10.11
